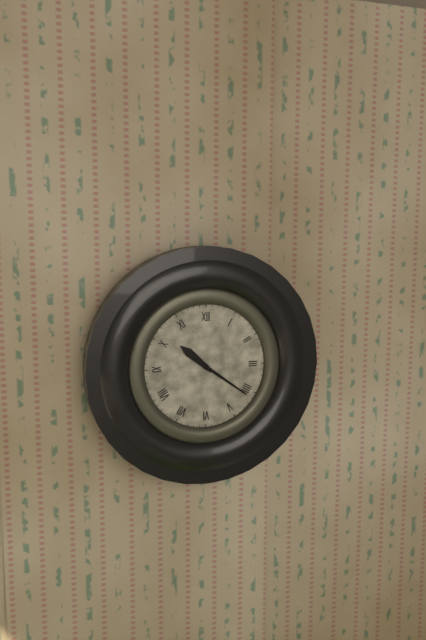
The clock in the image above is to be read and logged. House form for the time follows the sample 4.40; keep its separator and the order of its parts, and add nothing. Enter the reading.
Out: 10.21
